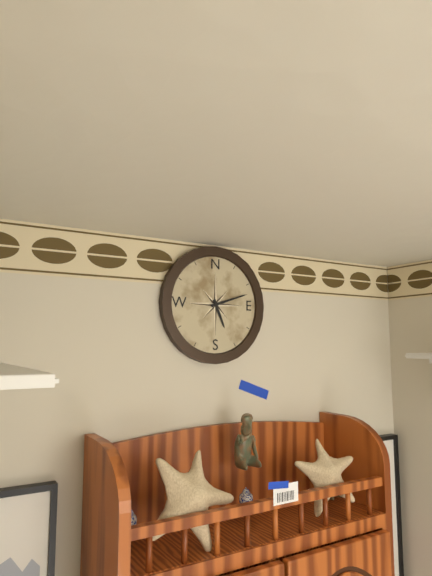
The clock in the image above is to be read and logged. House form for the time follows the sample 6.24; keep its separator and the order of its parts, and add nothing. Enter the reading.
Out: 5.12
